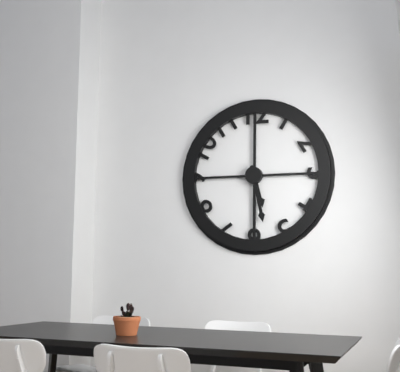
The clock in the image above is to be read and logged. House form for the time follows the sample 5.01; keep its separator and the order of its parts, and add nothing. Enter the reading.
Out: 5.28
